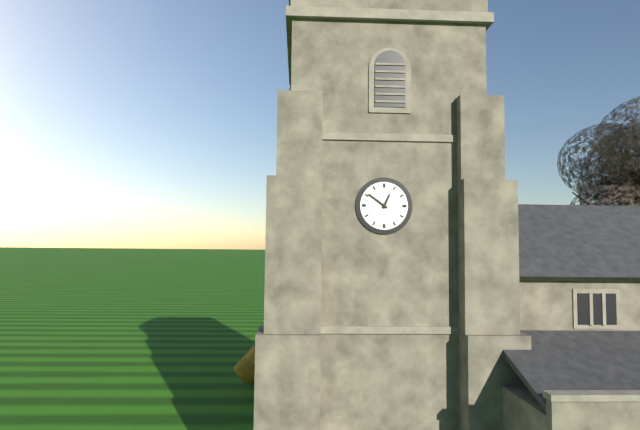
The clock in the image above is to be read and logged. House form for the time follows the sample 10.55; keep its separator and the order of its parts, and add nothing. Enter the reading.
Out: 12.51
